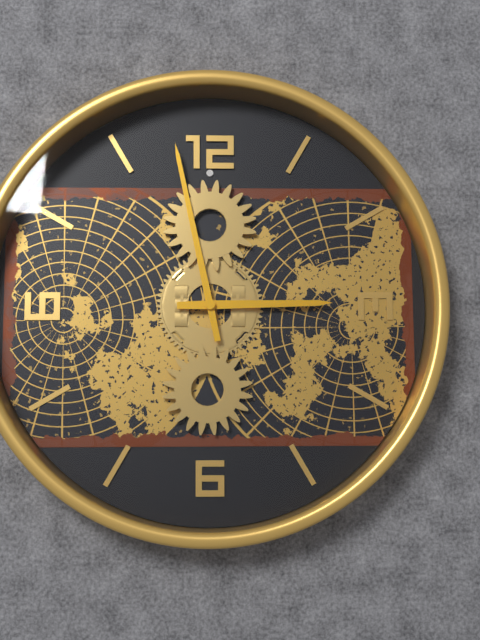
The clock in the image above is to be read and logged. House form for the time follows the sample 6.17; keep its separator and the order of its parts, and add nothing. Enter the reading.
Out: 2.58
